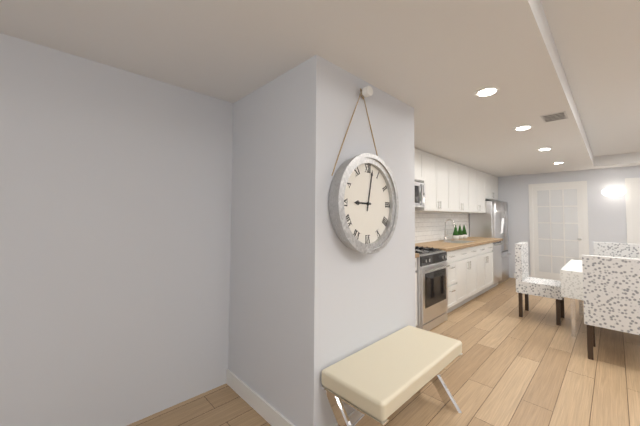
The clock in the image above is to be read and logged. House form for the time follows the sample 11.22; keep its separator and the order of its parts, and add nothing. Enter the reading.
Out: 9.02
